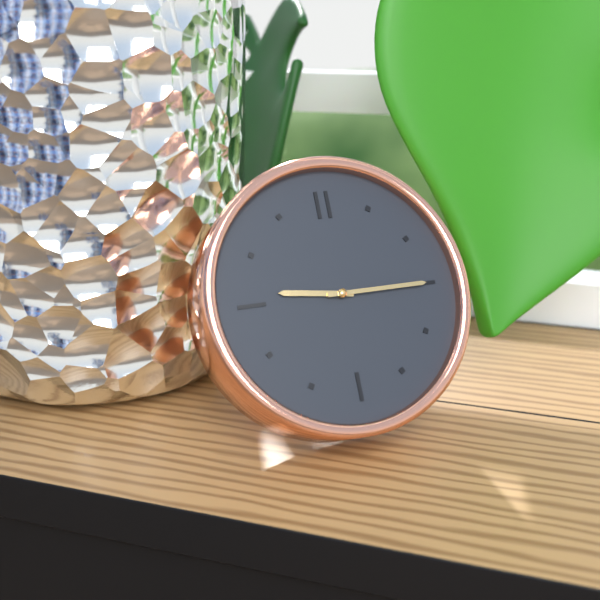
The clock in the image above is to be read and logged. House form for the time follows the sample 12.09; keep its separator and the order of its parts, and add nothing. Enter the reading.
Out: 9.15
